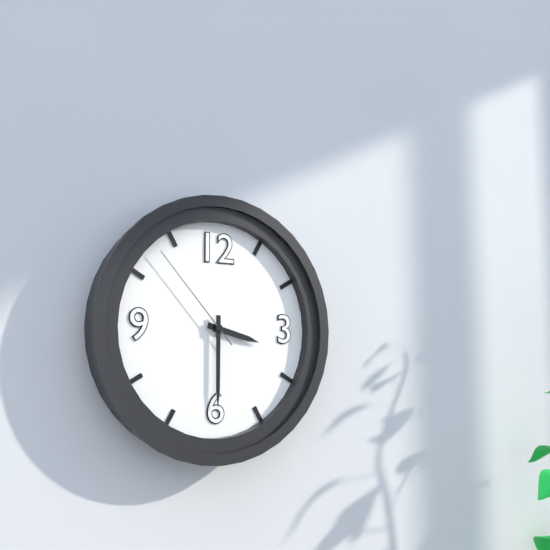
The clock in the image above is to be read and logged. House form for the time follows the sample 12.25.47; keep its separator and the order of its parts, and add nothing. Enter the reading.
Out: 3.30.53
